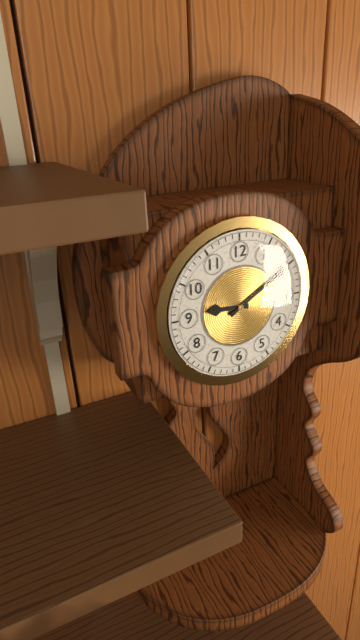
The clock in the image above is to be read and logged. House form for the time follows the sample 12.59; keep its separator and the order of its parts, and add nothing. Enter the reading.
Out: 9.10
